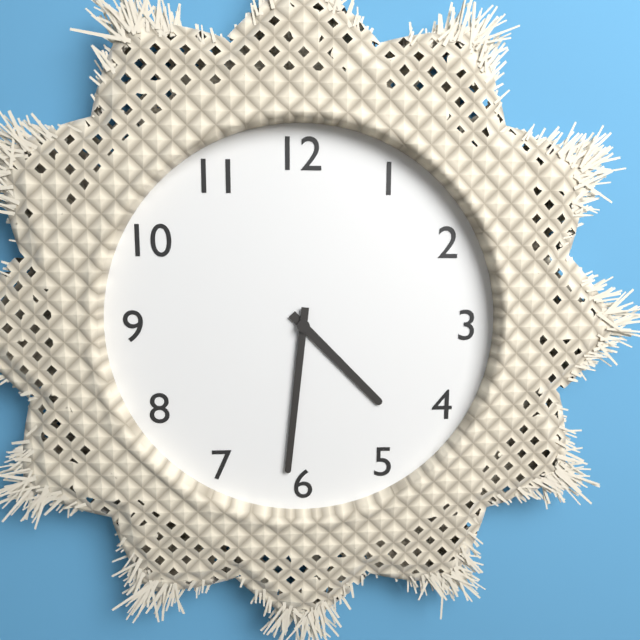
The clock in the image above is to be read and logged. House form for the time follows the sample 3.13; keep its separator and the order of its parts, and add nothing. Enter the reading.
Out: 4.31
